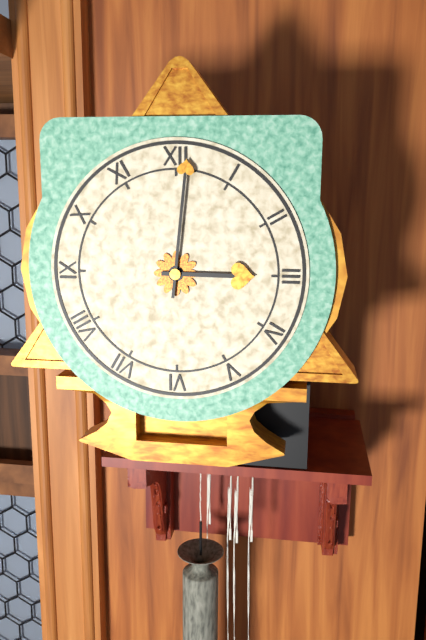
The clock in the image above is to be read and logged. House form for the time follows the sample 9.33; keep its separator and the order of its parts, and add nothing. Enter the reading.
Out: 3.01
